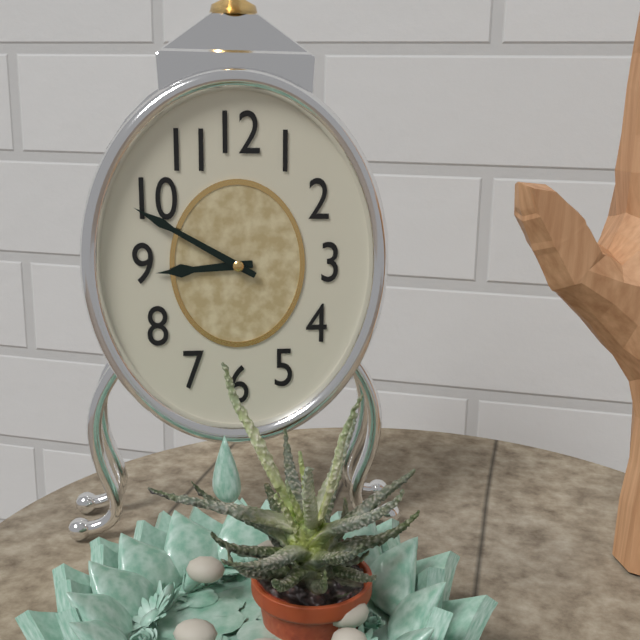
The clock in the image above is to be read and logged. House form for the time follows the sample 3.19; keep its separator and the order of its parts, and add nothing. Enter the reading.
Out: 8.50
